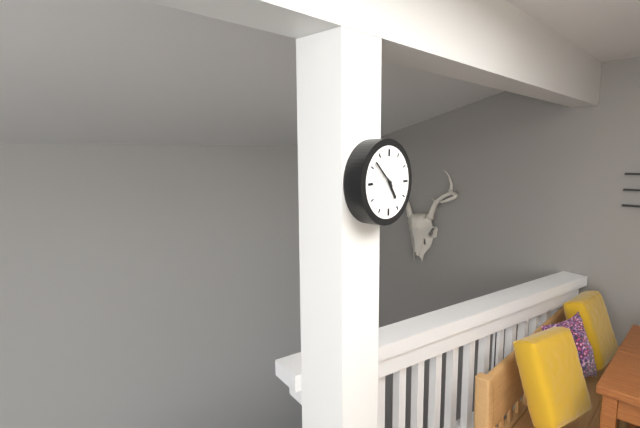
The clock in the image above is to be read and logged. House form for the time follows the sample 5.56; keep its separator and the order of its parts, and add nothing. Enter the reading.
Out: 4.52
